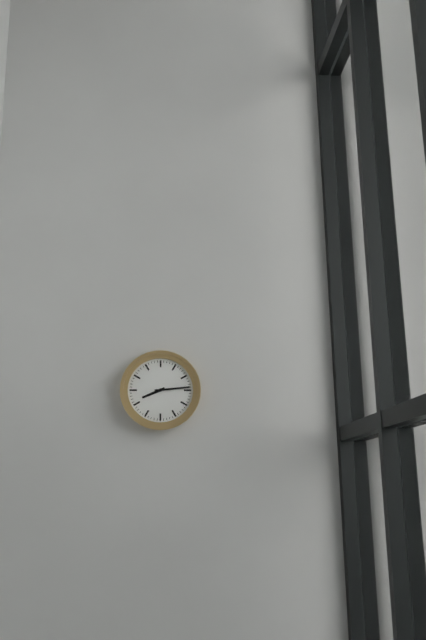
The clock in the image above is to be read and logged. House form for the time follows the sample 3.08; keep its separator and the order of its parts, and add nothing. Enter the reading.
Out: 8.14
